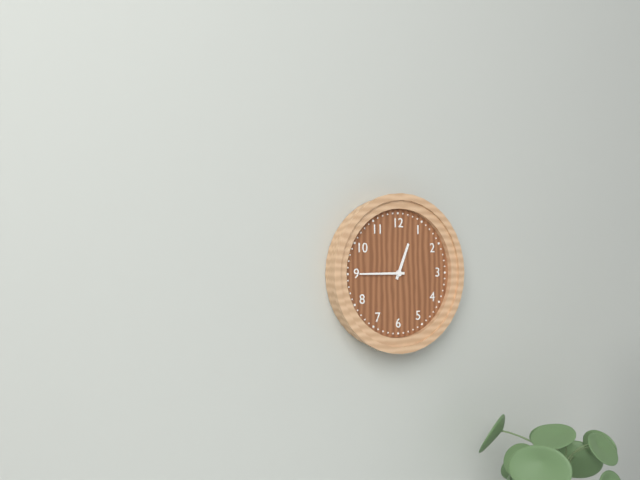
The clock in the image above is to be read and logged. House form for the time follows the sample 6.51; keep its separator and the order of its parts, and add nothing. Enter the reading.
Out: 12.45
